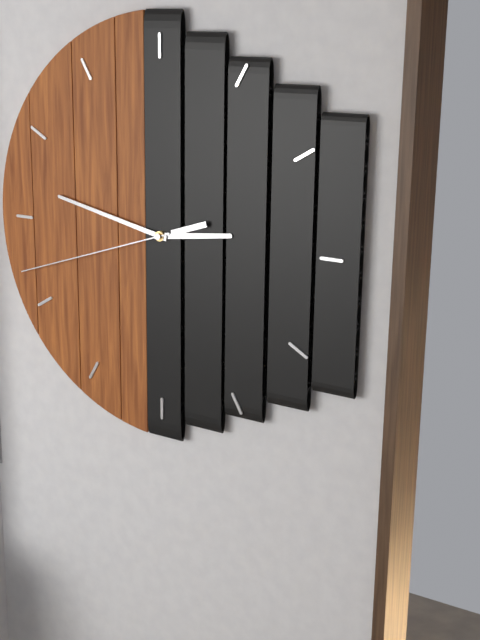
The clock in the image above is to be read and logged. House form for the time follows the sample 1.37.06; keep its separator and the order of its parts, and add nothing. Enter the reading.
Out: 2.47.42
